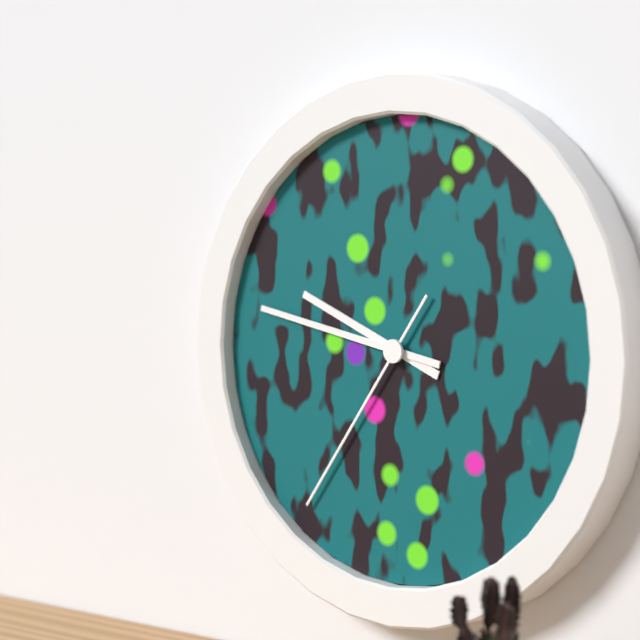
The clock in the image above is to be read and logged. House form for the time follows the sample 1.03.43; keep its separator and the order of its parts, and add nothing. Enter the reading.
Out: 9.47.36
